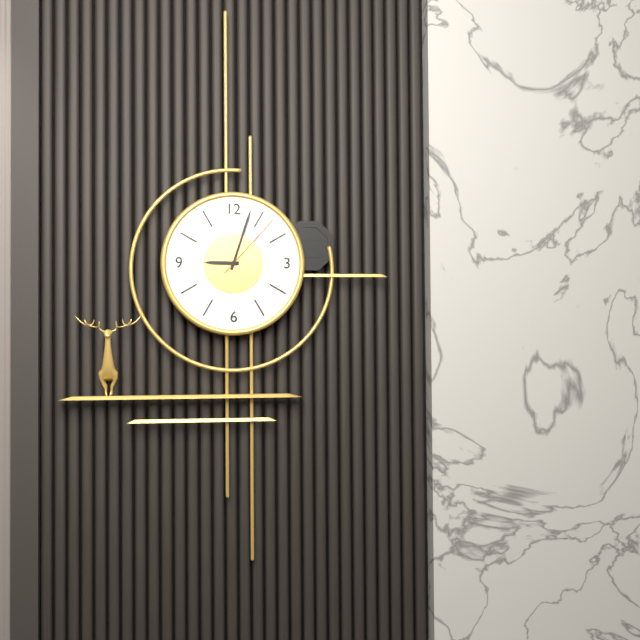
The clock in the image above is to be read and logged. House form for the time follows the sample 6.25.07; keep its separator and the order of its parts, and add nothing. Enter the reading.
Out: 9.03.07
